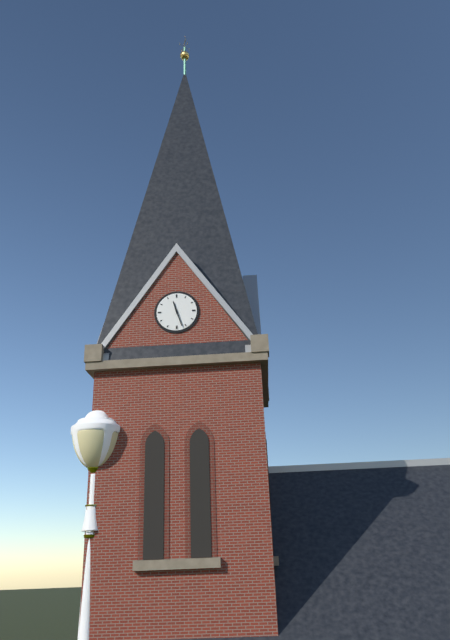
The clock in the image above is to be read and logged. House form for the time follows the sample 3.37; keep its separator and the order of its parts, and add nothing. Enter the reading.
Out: 11.27
